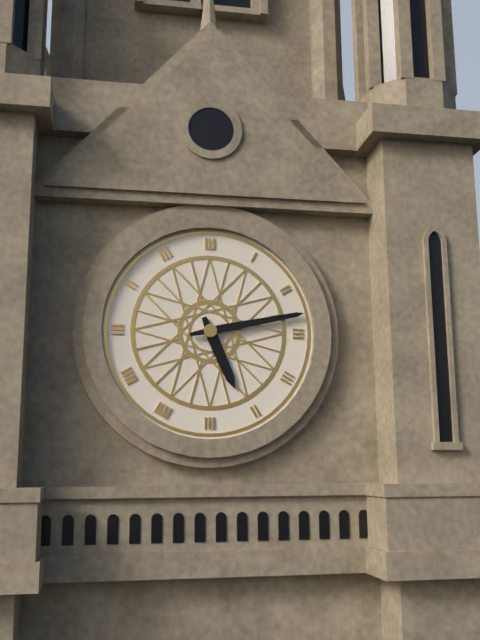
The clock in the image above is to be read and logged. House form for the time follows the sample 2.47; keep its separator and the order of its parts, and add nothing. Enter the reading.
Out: 5.13
